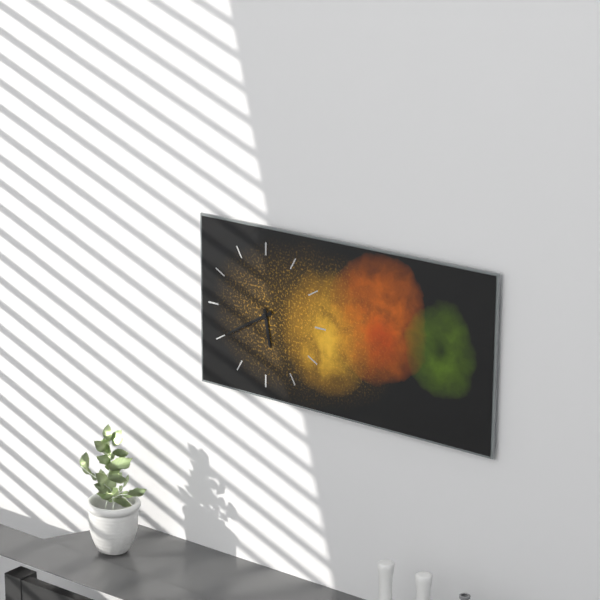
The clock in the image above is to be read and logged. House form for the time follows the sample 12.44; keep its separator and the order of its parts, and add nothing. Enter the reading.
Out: 5.40
